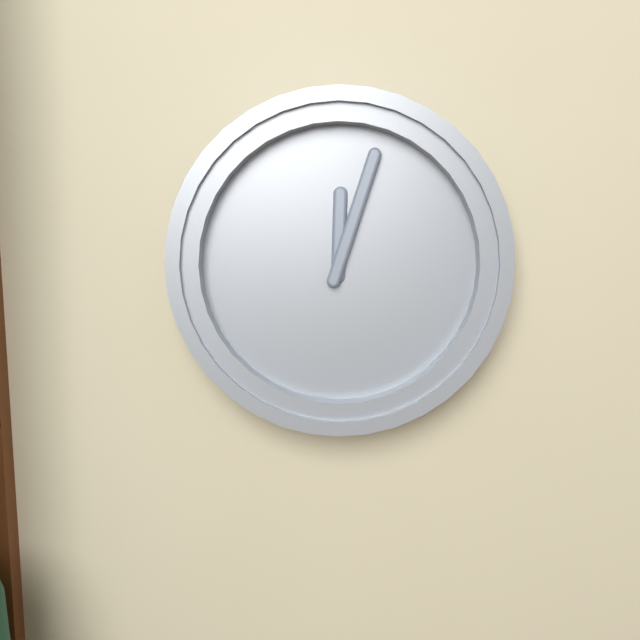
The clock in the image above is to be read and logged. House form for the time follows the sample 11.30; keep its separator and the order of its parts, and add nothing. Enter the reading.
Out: 12.03
